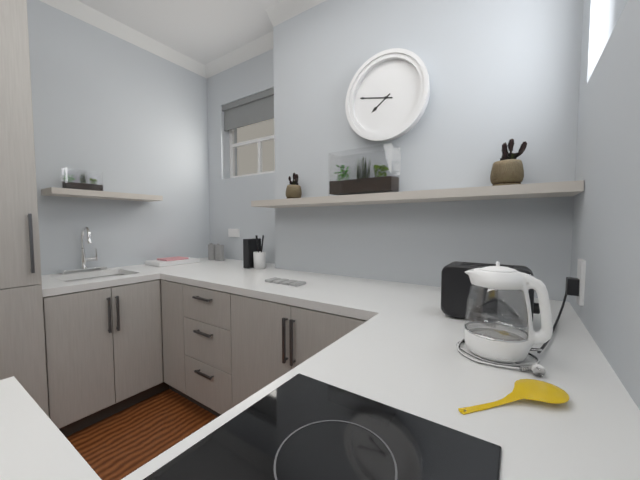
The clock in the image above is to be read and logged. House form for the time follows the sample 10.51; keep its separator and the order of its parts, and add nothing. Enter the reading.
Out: 7.47
